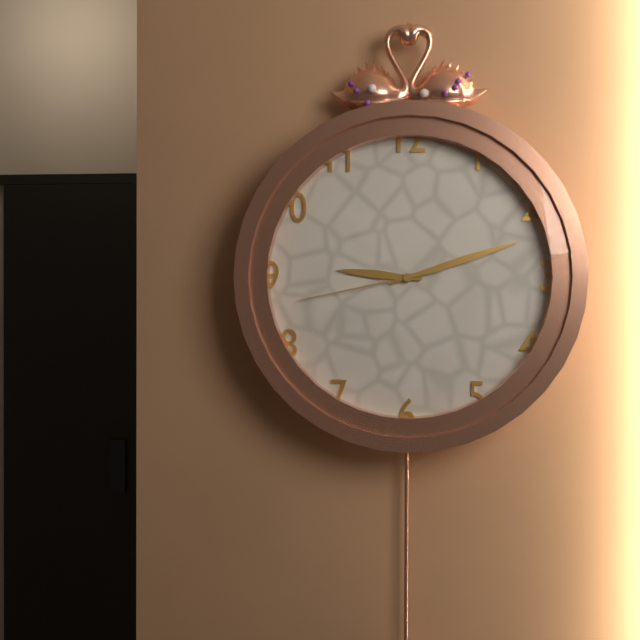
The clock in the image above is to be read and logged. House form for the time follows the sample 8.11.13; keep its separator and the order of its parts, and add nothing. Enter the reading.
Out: 9.12.43
